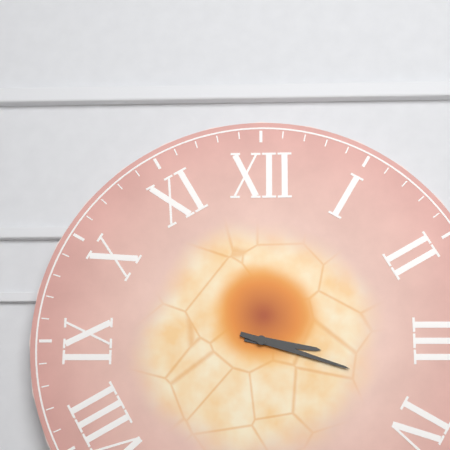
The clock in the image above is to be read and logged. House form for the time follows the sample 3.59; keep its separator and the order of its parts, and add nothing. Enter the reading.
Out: 3.18
